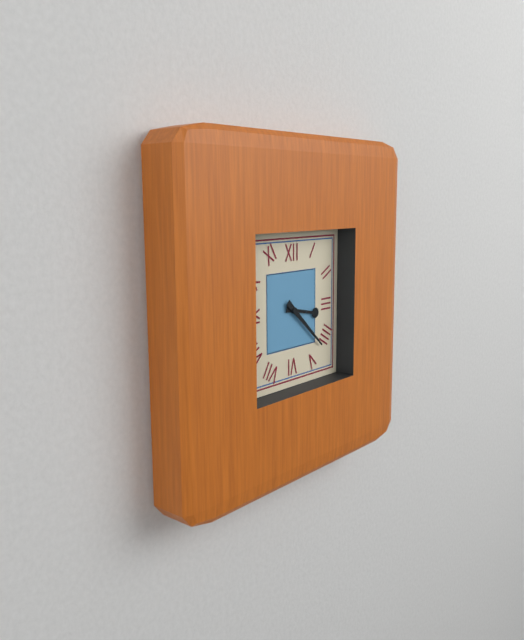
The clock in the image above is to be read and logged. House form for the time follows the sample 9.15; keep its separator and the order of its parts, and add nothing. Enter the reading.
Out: 3.22
